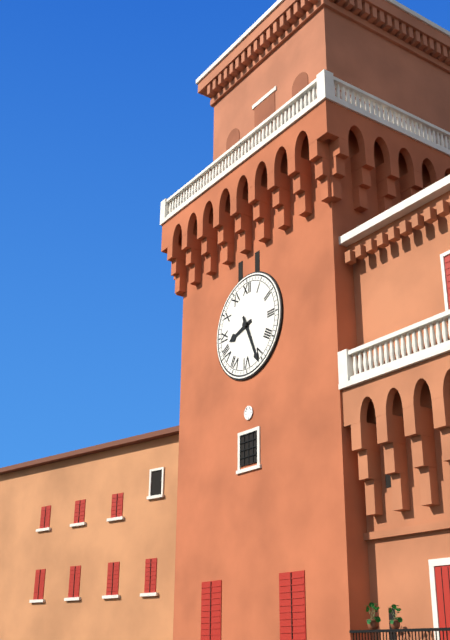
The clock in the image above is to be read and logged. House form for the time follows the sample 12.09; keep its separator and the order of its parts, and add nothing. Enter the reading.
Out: 8.26
